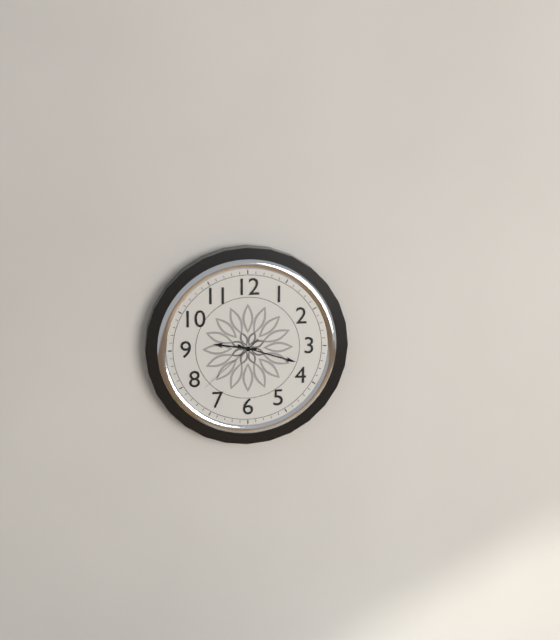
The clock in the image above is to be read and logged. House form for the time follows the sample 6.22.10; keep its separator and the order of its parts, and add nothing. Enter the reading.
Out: 9.18.38
